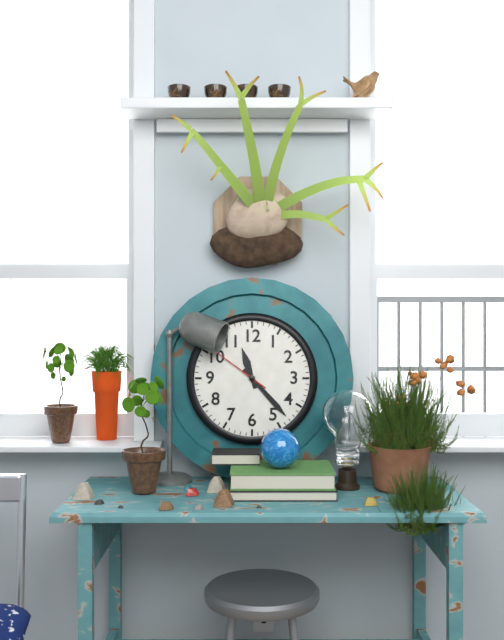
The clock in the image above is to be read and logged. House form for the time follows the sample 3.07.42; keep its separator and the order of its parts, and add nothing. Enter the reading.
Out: 11.23.51
